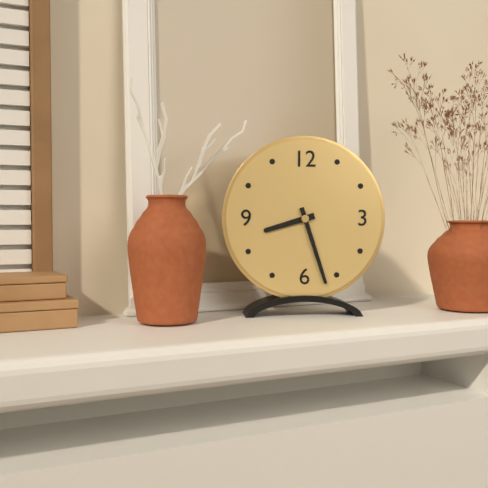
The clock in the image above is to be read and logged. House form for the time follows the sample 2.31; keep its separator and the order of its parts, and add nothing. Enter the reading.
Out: 8.27
